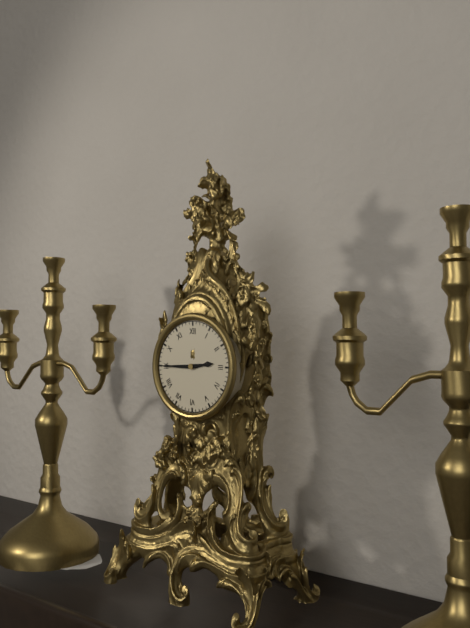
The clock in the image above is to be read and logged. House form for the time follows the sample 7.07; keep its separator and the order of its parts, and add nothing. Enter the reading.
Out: 2.45
